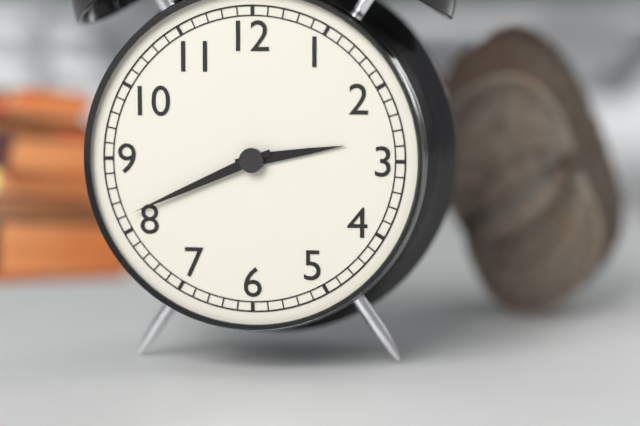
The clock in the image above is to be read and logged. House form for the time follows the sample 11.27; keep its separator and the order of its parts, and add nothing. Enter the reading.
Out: 2.41
